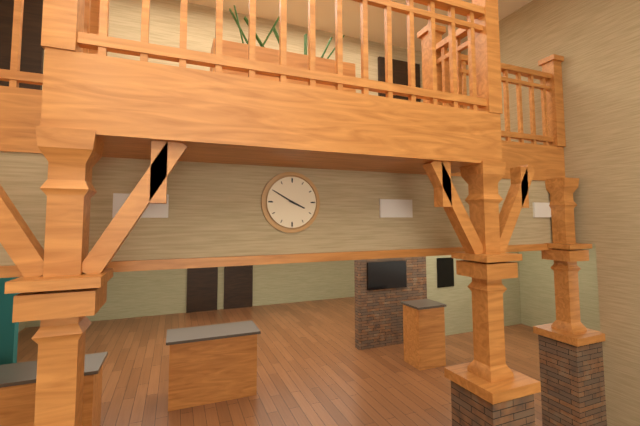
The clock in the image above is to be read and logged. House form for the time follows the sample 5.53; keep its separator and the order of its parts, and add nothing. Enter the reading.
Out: 3.50
